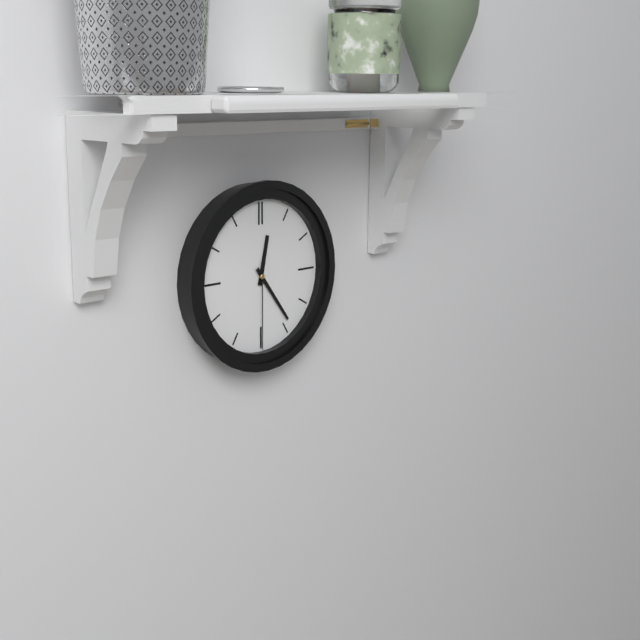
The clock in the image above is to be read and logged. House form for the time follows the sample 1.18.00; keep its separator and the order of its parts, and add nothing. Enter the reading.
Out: 12.24.30
